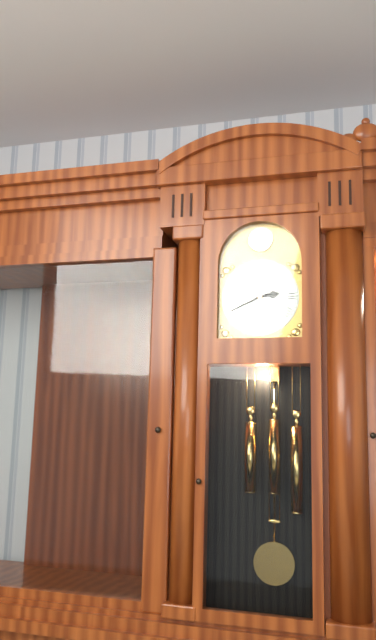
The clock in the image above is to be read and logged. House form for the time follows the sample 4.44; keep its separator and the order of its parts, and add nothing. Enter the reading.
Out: 2.41
